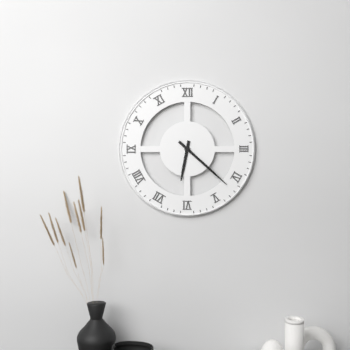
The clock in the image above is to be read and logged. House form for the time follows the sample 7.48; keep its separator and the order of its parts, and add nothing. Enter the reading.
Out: 6.22
